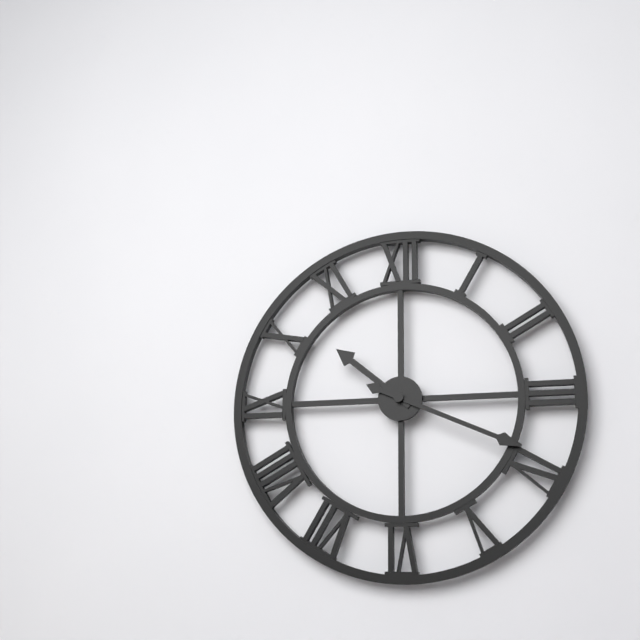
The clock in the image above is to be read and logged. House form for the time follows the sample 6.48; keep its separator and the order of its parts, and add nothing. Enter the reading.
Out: 10.19
